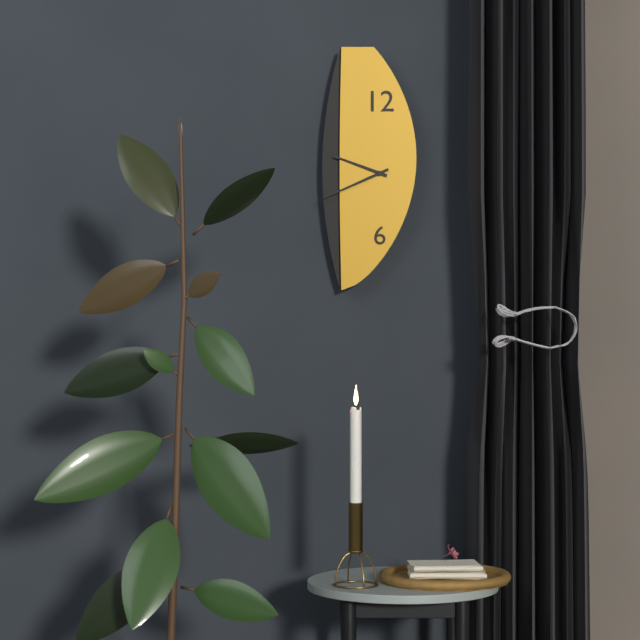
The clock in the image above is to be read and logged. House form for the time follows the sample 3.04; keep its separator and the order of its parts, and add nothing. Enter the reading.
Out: 9.41
